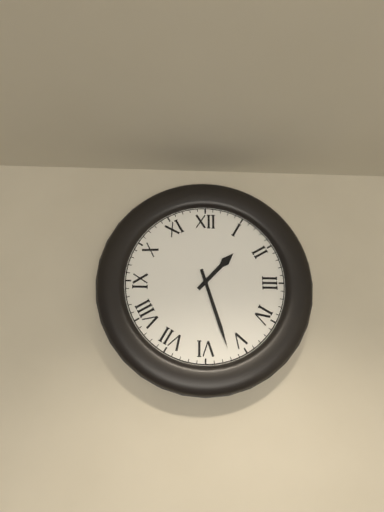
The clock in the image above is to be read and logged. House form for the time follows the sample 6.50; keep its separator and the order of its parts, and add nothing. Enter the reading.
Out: 1.27
